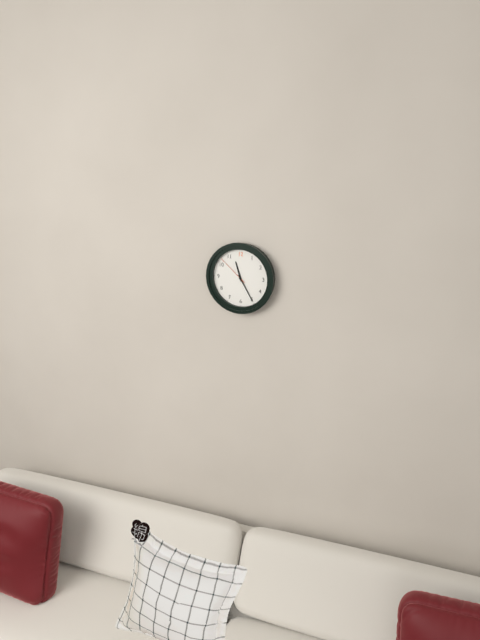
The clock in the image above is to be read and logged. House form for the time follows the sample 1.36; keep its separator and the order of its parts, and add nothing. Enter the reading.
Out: 11.25
